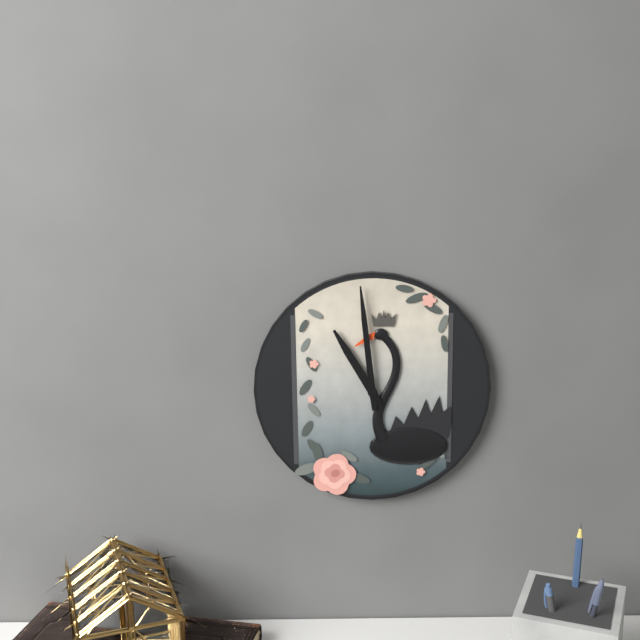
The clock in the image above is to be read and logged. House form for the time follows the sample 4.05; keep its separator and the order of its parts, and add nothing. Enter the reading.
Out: 10.59
